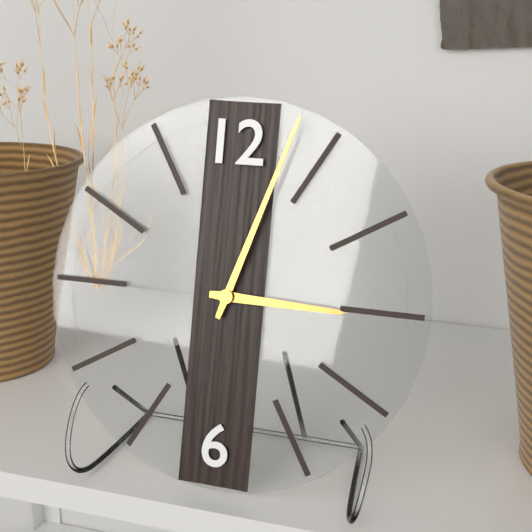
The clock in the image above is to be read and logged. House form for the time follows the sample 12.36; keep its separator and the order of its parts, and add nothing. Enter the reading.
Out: 3.03
